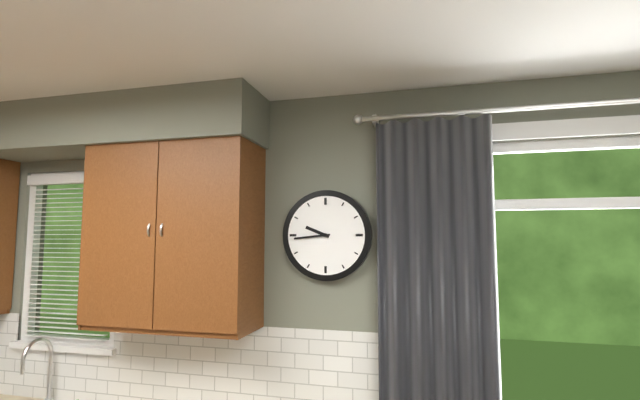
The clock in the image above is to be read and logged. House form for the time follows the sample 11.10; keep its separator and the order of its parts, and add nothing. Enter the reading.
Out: 9.44
